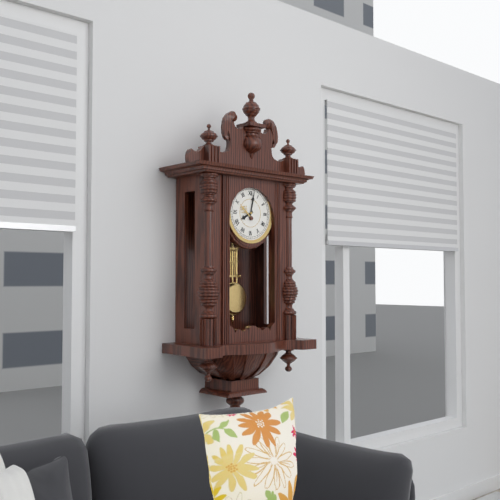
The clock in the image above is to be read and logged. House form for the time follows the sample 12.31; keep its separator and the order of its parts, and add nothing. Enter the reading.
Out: 8.02
